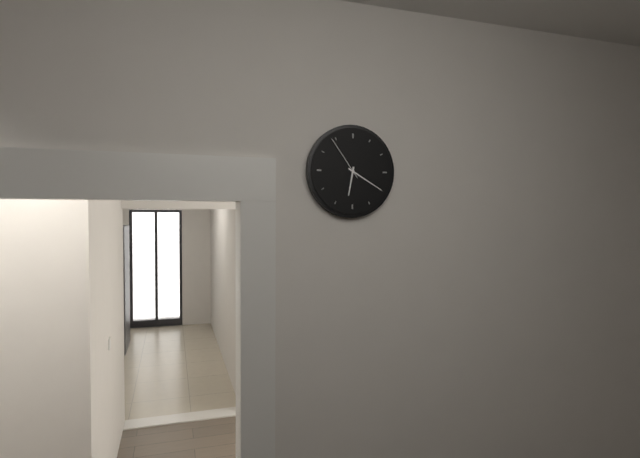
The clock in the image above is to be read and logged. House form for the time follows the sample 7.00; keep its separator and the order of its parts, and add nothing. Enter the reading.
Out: 6.20
